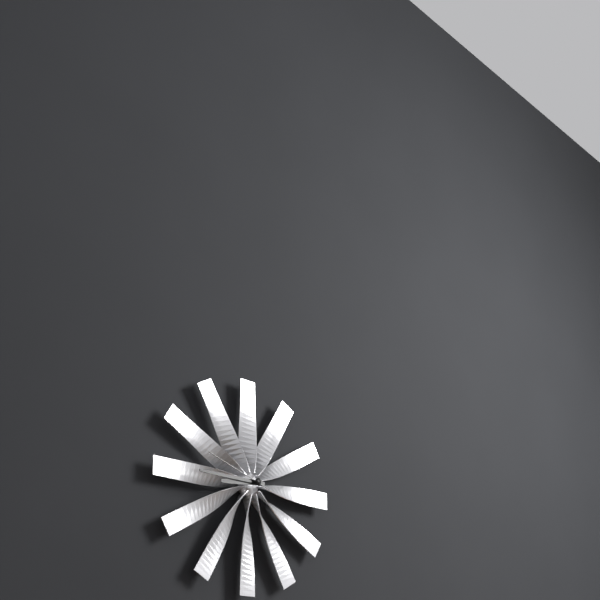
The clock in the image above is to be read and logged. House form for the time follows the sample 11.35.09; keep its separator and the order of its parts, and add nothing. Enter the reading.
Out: 8.45.48
